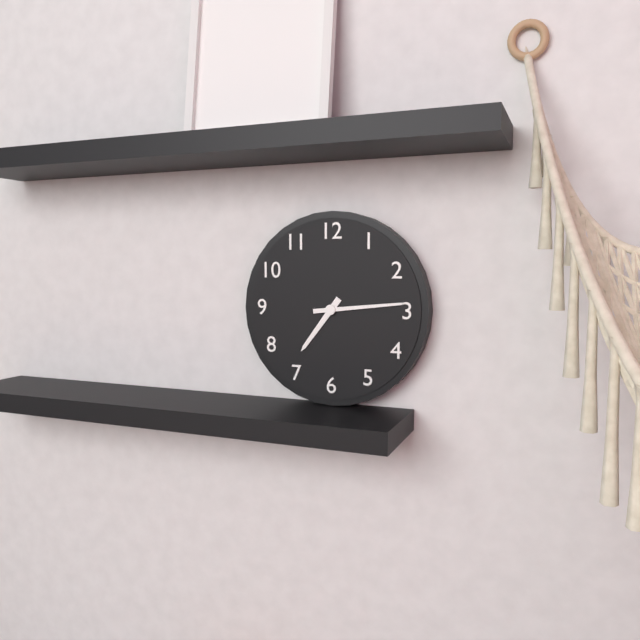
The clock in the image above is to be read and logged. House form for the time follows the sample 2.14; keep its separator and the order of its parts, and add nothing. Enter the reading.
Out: 7.14
